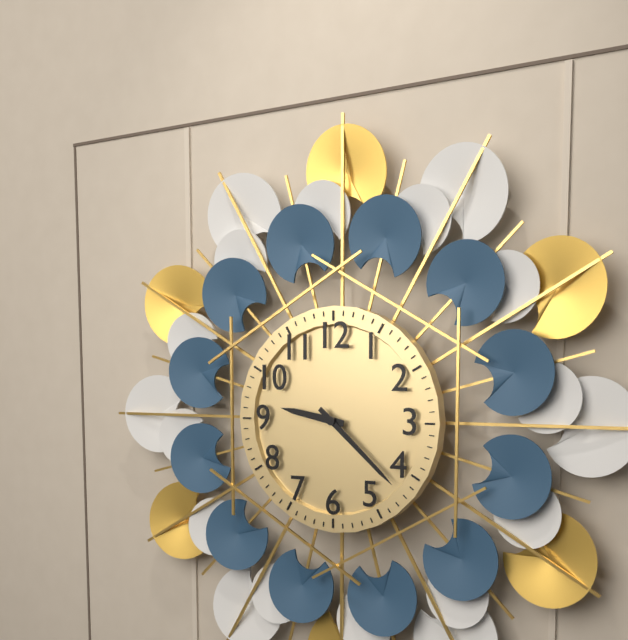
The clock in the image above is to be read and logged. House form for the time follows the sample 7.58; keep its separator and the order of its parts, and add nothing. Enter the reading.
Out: 9.22
